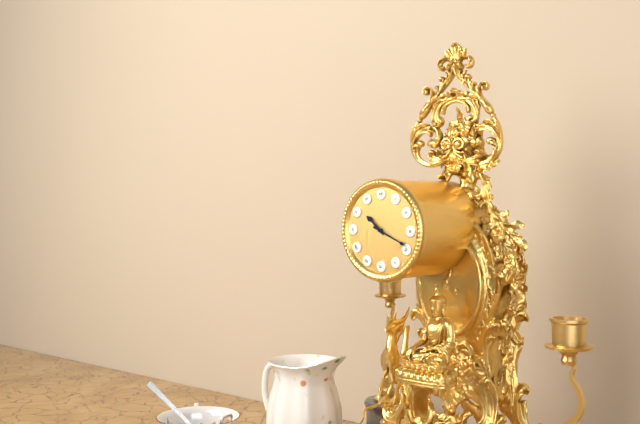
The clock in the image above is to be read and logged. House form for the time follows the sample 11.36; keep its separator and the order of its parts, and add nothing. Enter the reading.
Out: 10.19
